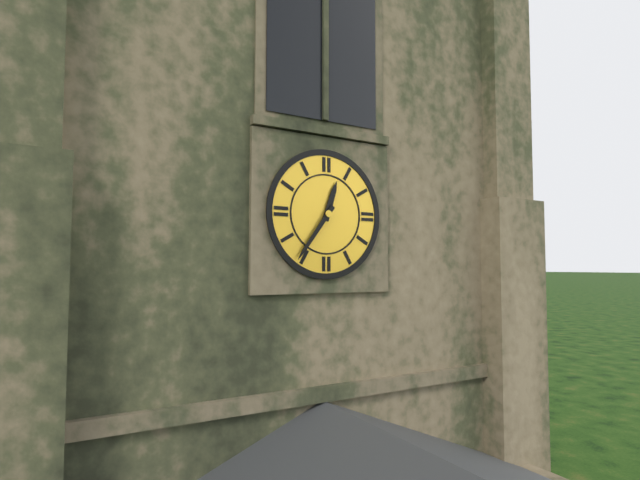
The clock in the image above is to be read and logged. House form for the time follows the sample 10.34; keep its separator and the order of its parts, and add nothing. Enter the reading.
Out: 12.36
